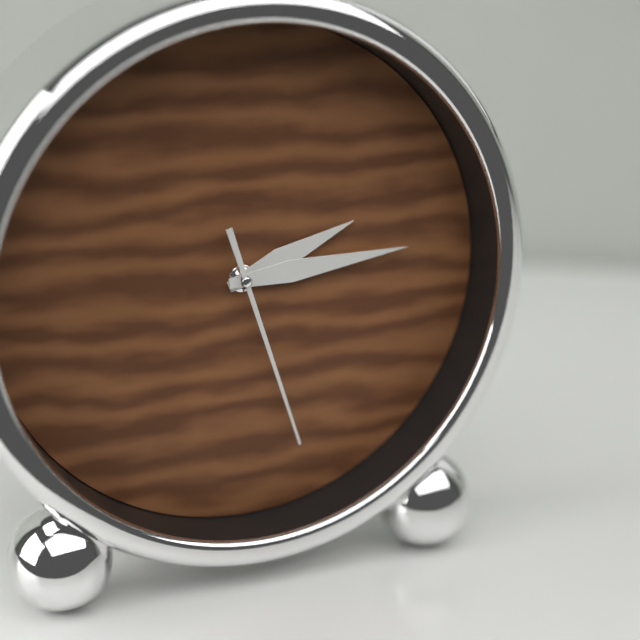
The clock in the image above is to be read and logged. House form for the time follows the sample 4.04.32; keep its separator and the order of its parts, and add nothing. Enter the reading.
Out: 2.14.27
